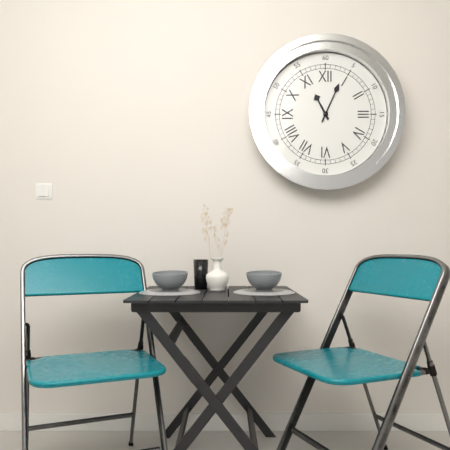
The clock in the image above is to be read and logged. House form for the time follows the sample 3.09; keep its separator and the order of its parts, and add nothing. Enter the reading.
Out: 11.04
